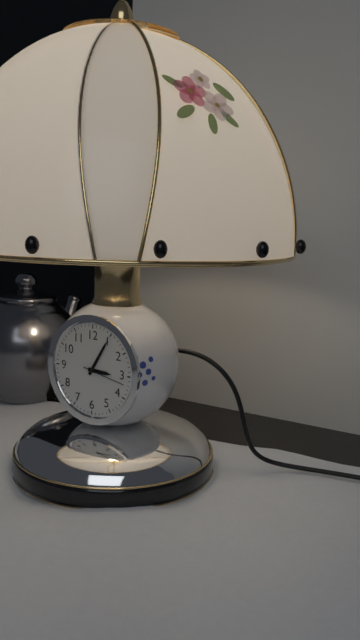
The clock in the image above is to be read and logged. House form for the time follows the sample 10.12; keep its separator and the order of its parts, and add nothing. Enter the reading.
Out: 3.05
